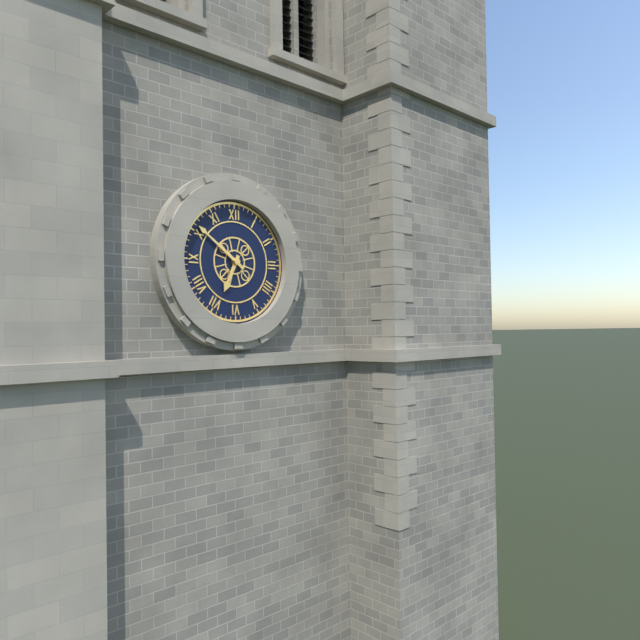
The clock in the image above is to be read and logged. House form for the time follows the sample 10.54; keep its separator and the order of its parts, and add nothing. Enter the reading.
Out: 6.51
